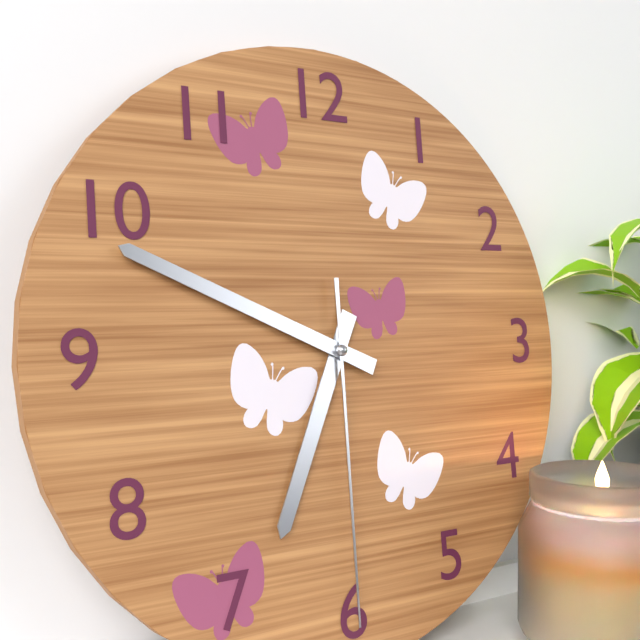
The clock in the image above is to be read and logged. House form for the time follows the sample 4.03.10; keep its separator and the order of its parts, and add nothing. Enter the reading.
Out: 6.49.30
